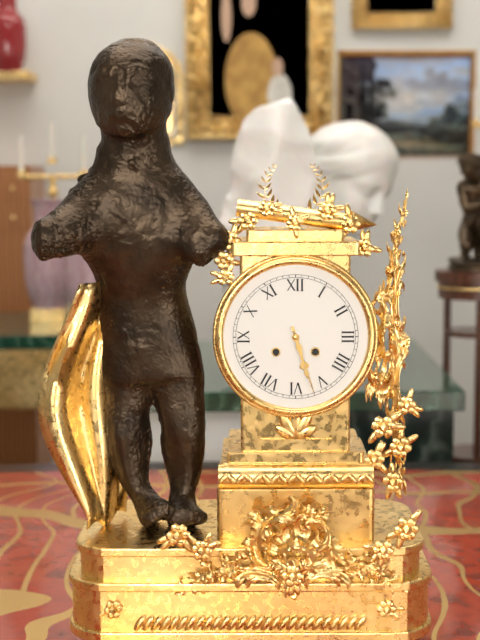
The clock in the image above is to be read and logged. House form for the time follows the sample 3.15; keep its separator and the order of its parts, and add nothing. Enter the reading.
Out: 5.27
